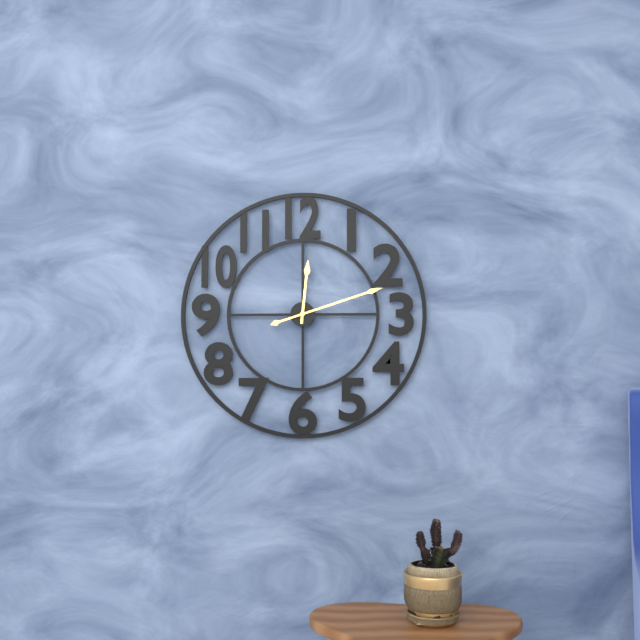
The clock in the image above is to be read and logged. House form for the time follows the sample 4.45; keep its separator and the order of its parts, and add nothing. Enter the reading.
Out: 12.12
